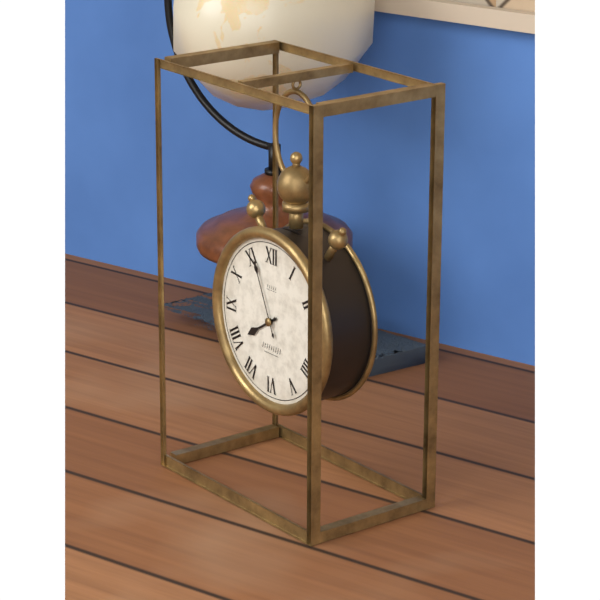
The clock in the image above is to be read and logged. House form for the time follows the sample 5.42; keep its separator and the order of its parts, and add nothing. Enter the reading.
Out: 7.56
